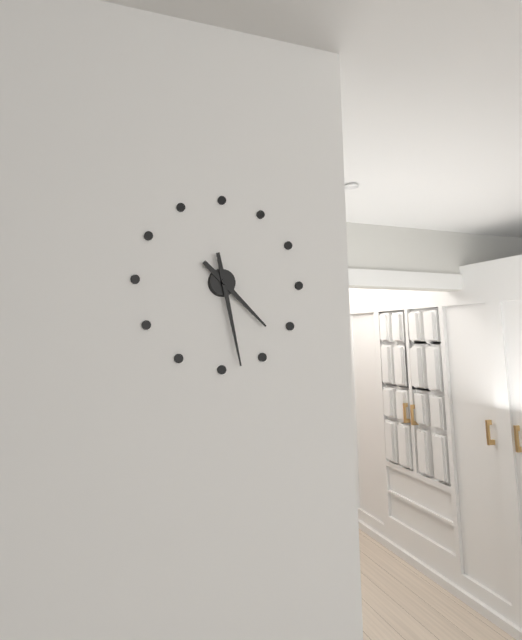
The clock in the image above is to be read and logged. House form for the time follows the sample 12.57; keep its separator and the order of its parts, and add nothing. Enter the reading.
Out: 4.28
